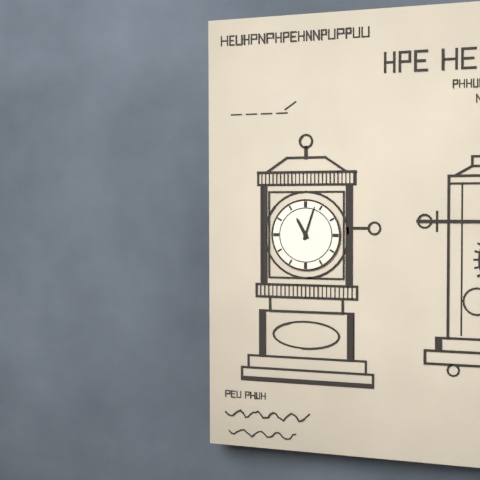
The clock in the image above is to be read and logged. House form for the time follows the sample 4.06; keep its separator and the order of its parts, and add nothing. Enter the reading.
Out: 11.03
